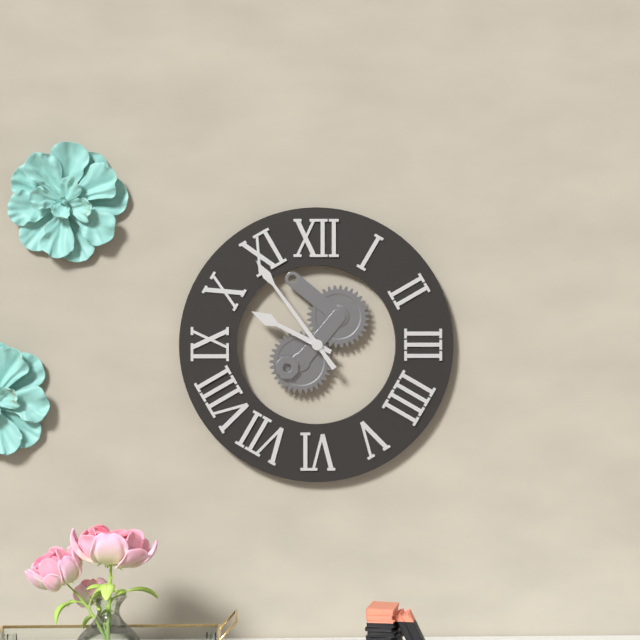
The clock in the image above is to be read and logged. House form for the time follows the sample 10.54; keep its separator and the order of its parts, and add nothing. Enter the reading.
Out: 9.54
